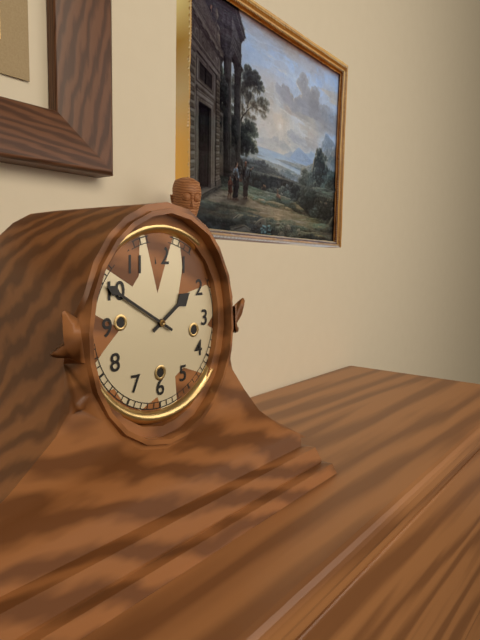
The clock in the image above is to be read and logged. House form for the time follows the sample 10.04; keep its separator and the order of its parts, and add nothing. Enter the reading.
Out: 1.50
